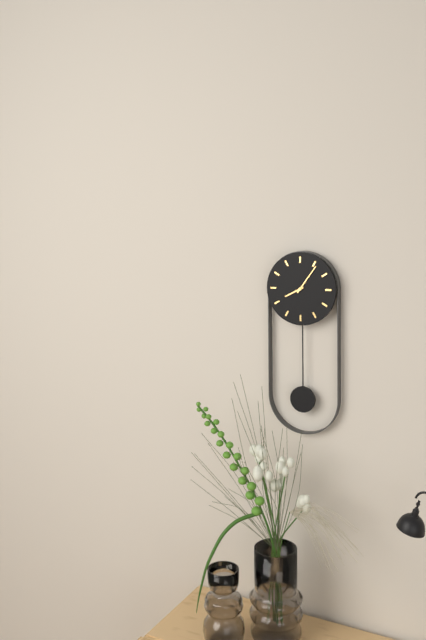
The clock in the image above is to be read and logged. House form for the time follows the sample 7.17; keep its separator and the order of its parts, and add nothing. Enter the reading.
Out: 8.06
